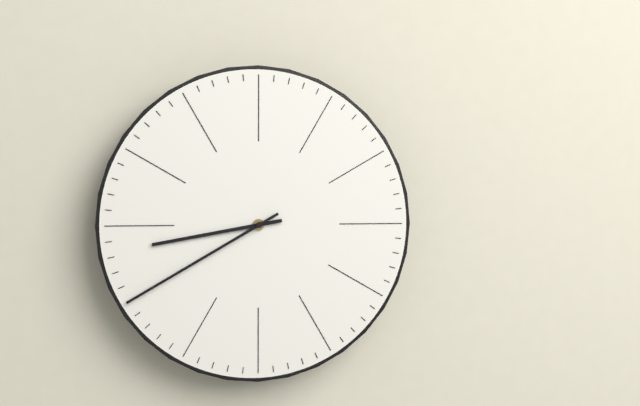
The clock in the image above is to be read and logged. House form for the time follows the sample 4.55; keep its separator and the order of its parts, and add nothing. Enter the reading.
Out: 8.40
